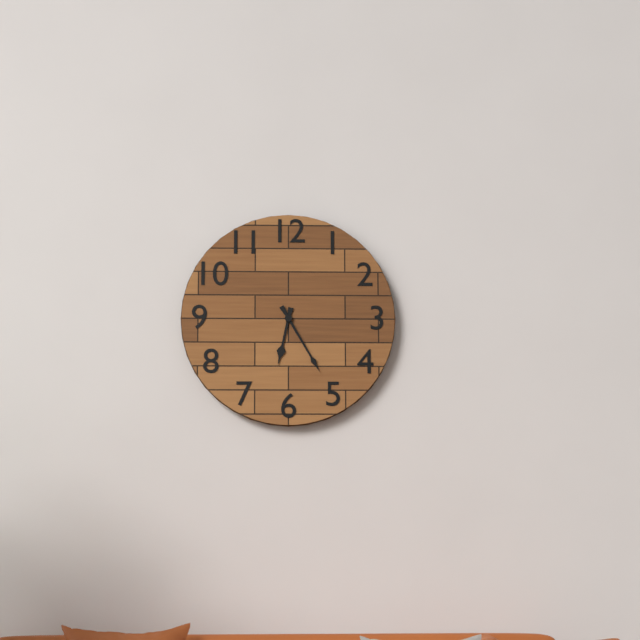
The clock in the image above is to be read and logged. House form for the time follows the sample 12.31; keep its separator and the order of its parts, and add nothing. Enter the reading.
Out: 6.25
